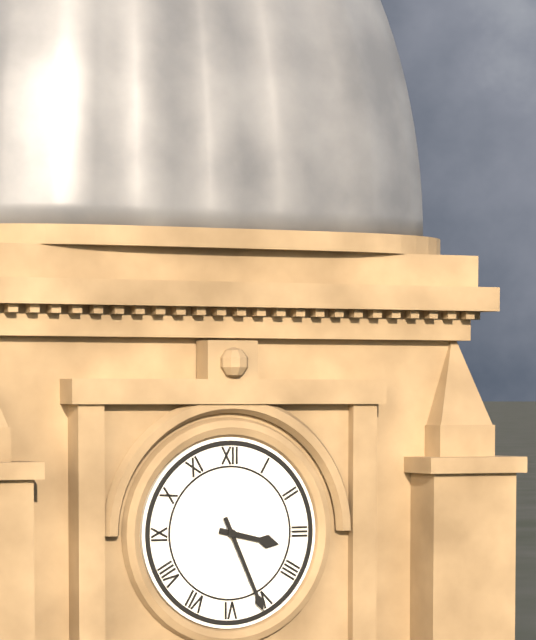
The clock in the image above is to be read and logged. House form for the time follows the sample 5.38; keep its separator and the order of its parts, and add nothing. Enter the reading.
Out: 3.26
